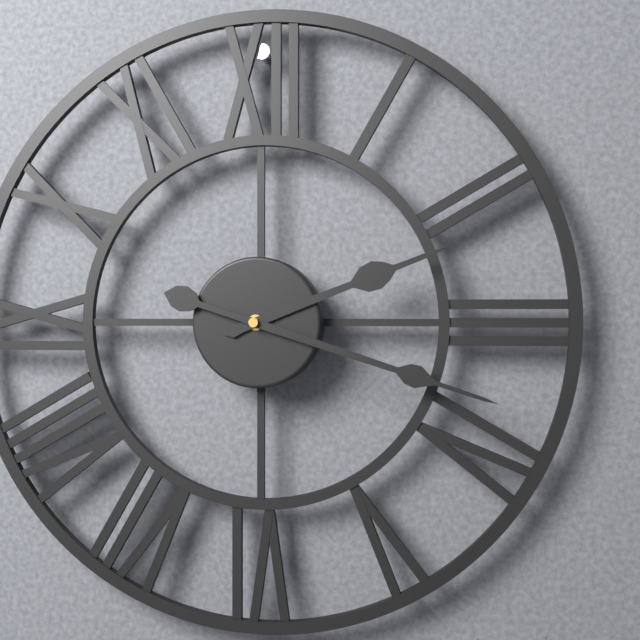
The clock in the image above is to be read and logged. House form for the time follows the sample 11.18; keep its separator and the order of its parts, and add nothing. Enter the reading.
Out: 2.18
